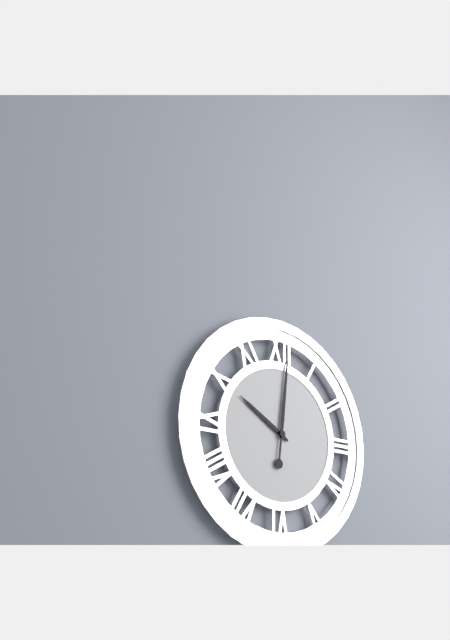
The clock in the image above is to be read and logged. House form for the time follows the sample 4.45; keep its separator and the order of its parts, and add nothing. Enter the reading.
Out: 10.01
